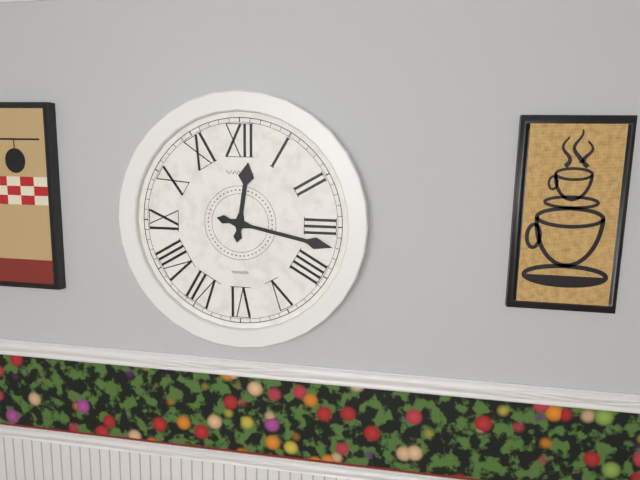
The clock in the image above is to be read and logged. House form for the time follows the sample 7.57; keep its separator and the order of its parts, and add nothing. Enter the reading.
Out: 12.17
